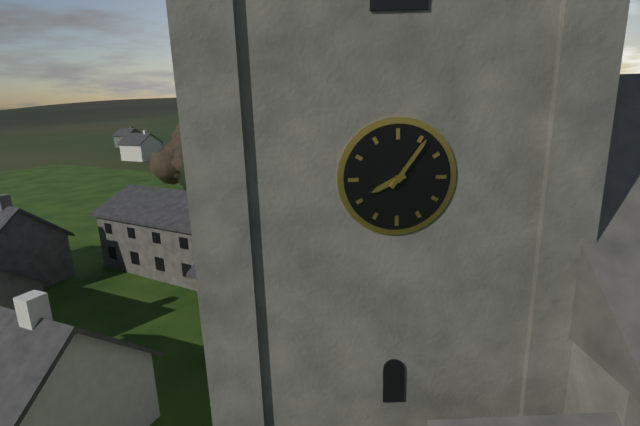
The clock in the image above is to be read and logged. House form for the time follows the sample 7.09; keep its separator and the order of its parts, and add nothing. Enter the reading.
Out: 8.06
